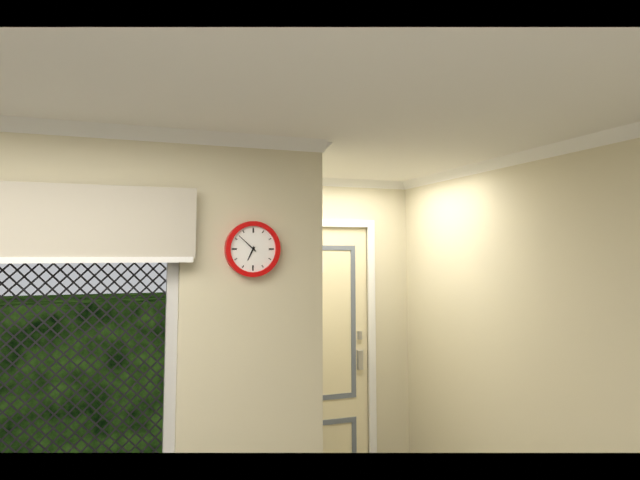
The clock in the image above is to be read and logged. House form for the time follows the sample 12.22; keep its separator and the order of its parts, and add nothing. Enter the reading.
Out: 6.52
